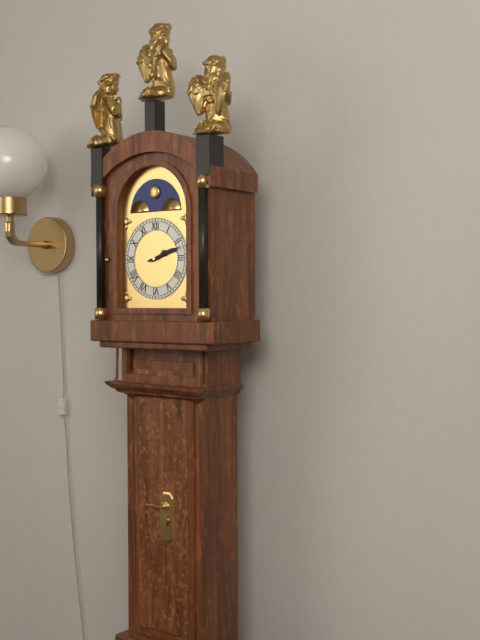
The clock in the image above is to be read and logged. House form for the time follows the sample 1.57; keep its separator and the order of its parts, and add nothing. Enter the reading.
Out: 2.12
